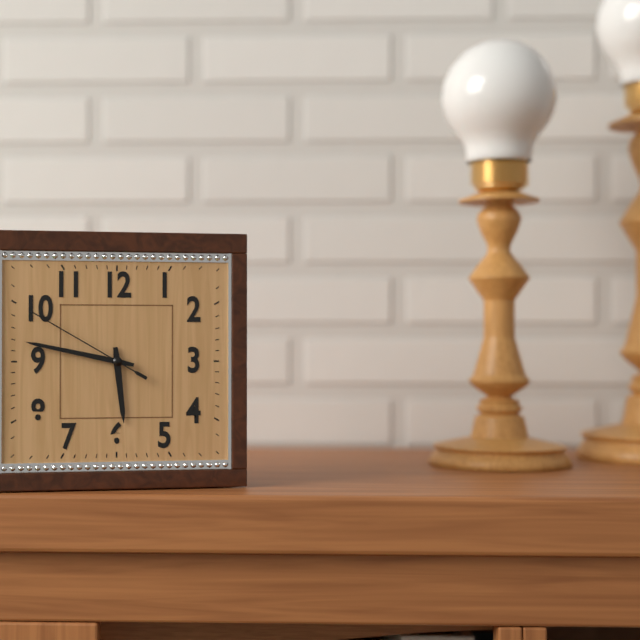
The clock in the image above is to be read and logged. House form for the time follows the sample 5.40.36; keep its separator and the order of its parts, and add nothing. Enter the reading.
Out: 5.47.50
